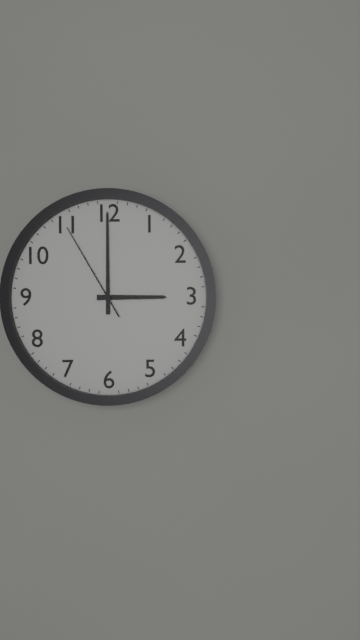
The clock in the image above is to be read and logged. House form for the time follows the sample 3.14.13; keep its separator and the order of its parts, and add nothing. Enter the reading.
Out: 3.00.55
